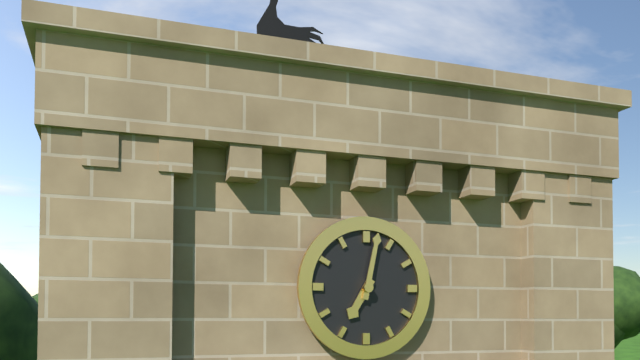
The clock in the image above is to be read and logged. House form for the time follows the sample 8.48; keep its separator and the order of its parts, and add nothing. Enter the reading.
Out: 7.02
